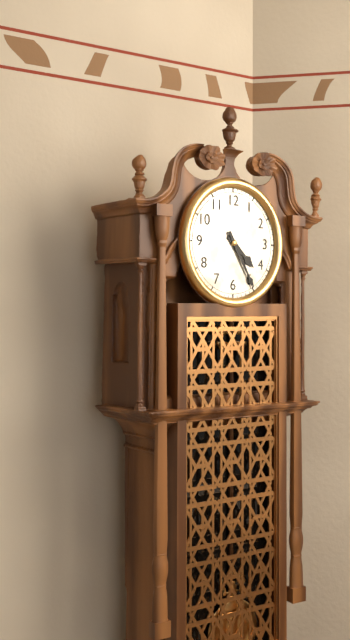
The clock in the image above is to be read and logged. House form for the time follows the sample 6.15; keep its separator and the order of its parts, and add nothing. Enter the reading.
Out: 4.25
